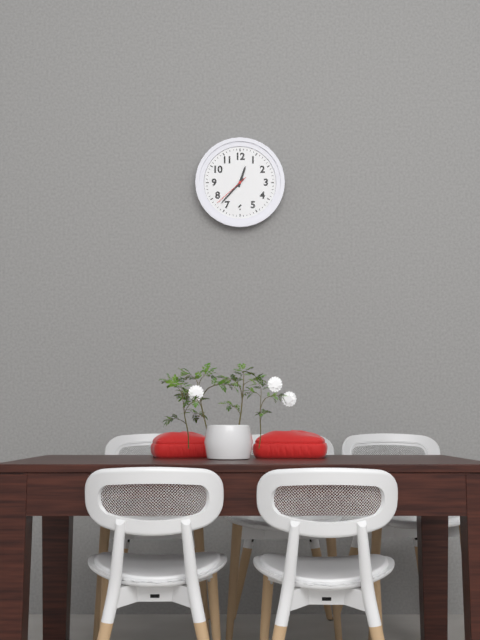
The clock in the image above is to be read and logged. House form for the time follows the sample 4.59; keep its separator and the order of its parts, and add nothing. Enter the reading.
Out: 12.37
